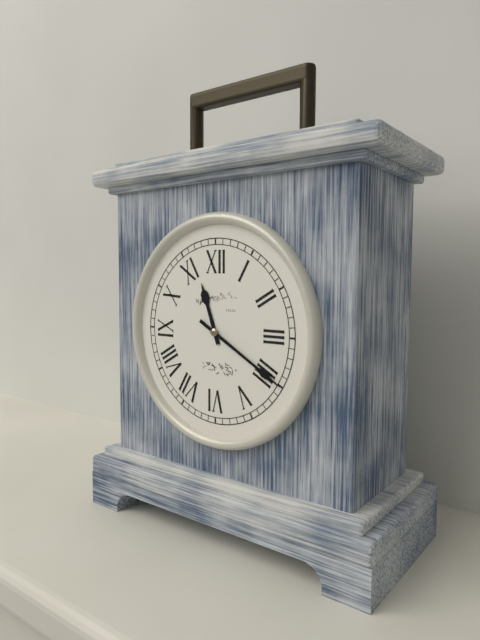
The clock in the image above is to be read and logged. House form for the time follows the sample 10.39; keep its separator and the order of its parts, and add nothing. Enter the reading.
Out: 11.20
